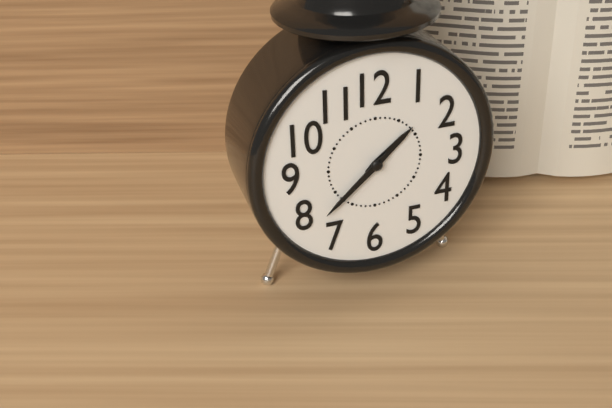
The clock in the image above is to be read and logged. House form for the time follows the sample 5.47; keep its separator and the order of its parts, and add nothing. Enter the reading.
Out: 1.38
